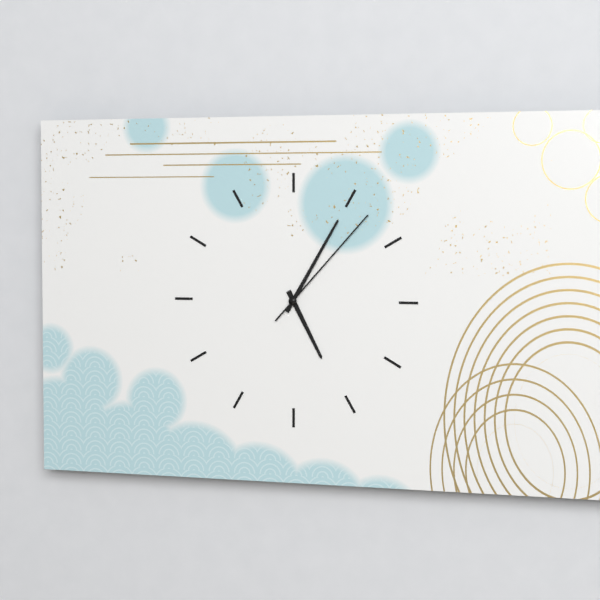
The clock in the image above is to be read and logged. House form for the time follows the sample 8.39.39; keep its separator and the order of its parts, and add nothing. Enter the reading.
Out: 5.05.07
